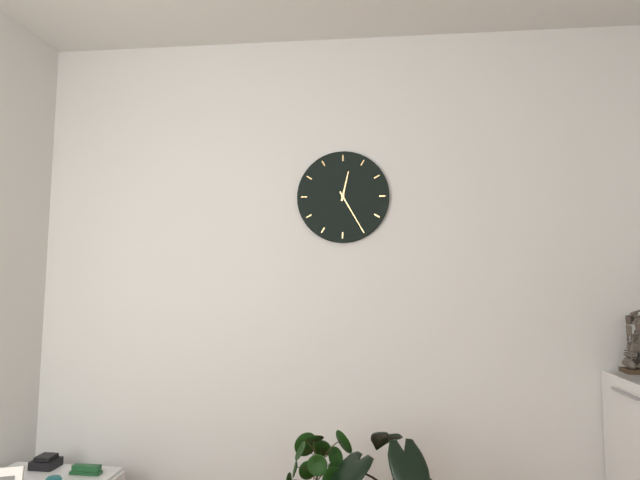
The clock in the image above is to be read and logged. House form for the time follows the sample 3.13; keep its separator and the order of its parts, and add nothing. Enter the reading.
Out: 12.25
